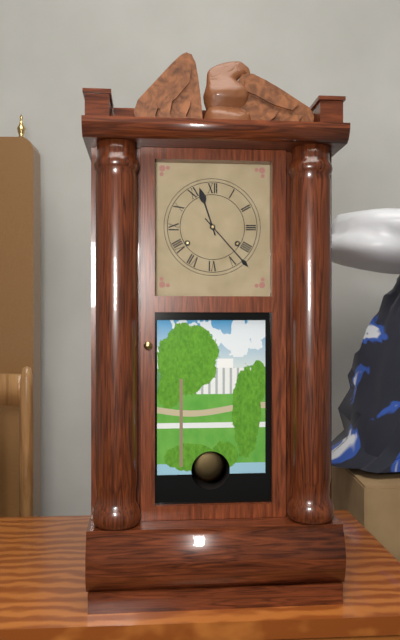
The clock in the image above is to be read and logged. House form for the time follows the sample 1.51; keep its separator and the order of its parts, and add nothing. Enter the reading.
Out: 11.23
